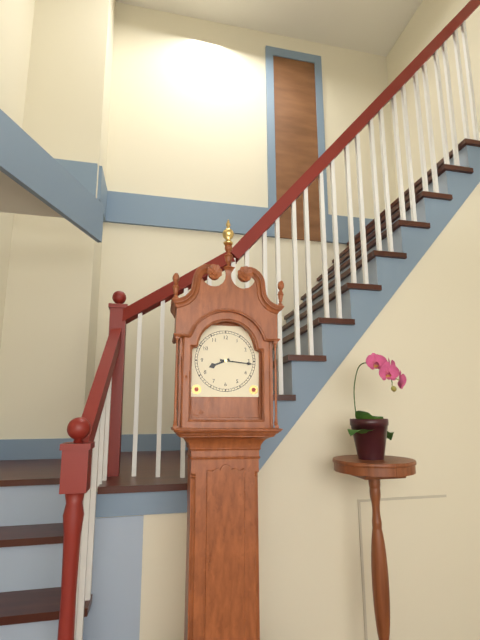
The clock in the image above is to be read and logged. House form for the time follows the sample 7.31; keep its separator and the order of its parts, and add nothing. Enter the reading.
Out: 8.16
